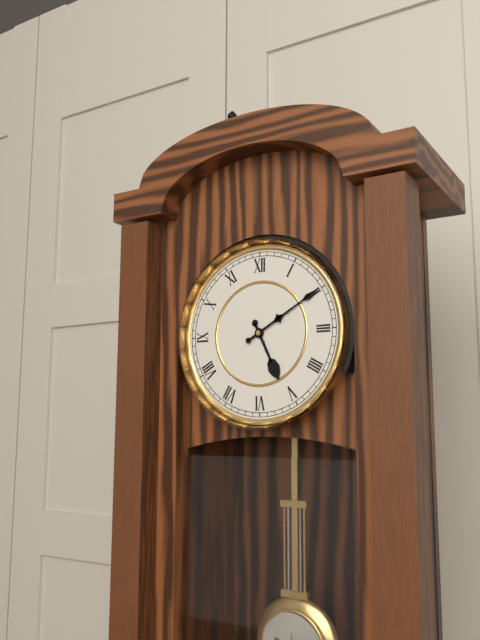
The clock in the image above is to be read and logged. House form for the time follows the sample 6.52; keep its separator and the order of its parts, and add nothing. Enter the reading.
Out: 5.10
